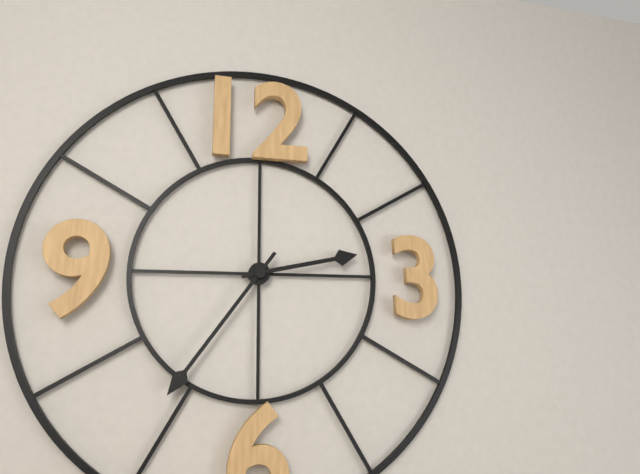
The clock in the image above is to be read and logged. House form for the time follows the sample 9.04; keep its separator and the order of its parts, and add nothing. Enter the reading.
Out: 2.36
